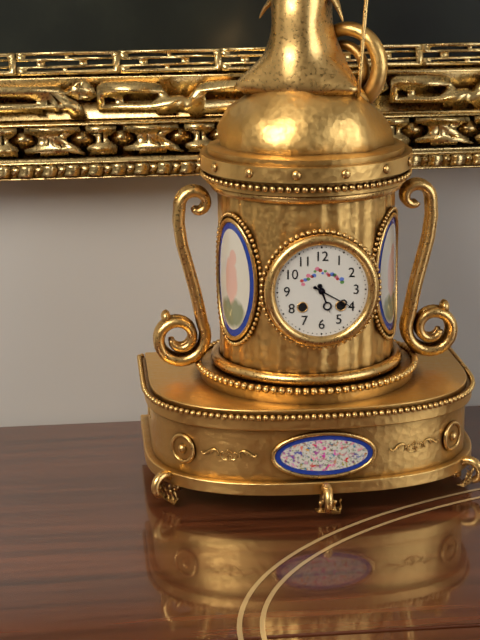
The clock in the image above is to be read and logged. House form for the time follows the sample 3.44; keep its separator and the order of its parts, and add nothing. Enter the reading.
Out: 5.20
